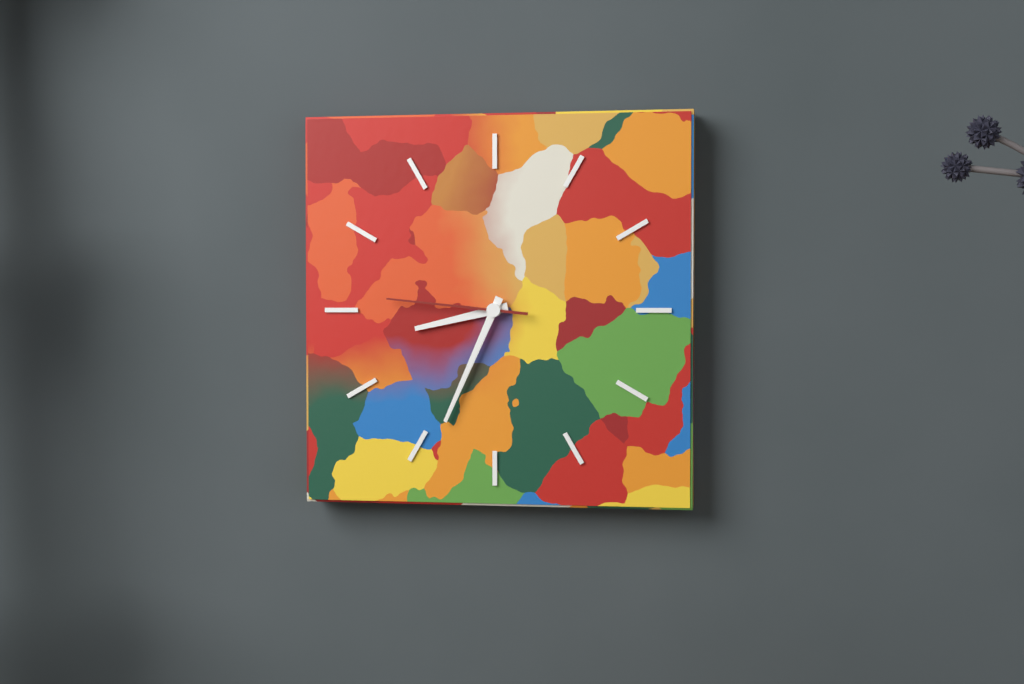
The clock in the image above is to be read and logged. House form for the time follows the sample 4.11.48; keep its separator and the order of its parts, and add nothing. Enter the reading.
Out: 8.34.46
